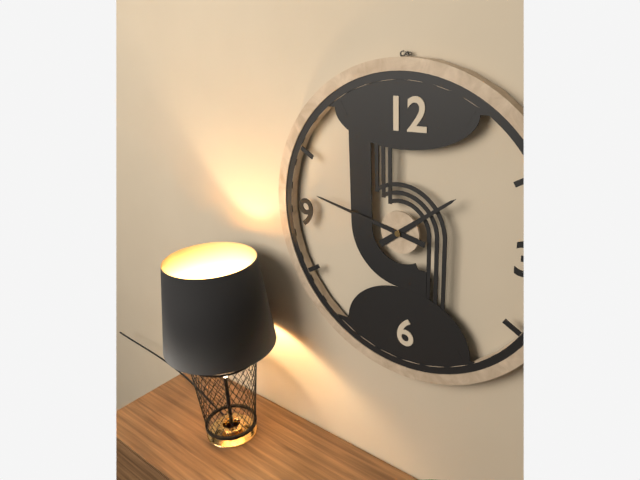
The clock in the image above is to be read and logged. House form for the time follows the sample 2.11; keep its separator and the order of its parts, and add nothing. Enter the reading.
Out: 1.47
